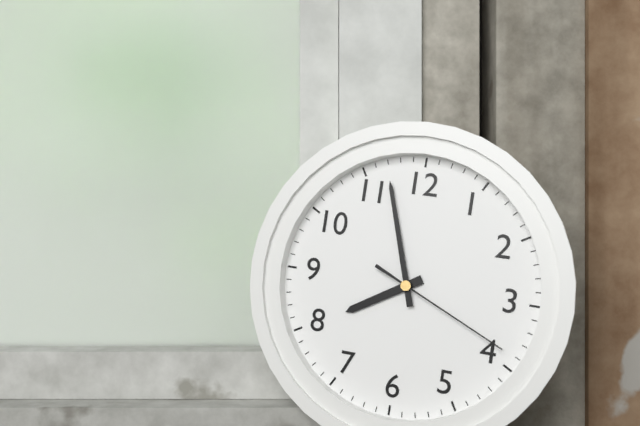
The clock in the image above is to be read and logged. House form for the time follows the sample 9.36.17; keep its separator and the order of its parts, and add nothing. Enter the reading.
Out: 7.57.19
